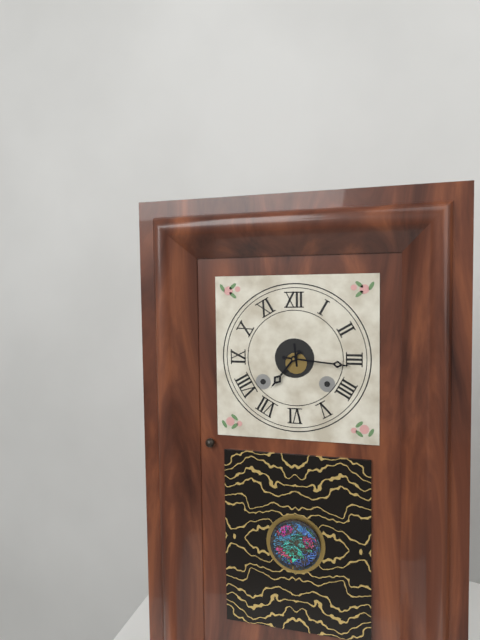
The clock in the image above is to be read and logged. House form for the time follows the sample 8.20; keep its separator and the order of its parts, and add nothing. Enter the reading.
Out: 7.16
